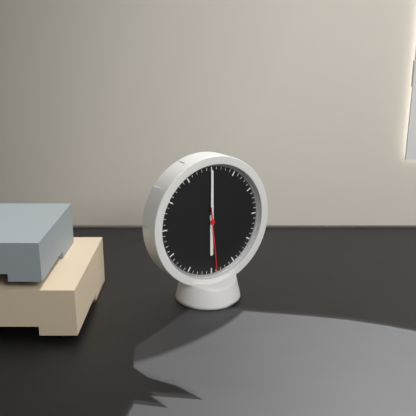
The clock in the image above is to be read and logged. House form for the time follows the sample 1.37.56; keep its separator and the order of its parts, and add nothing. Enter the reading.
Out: 6.00.29
